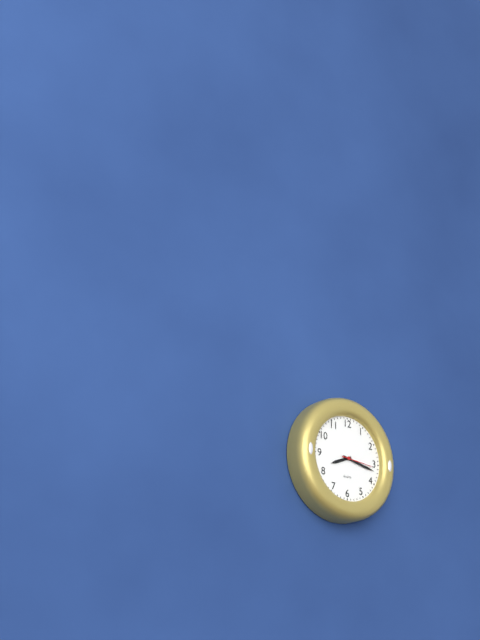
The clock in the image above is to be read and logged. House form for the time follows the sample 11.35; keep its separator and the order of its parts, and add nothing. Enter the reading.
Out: 8.17
